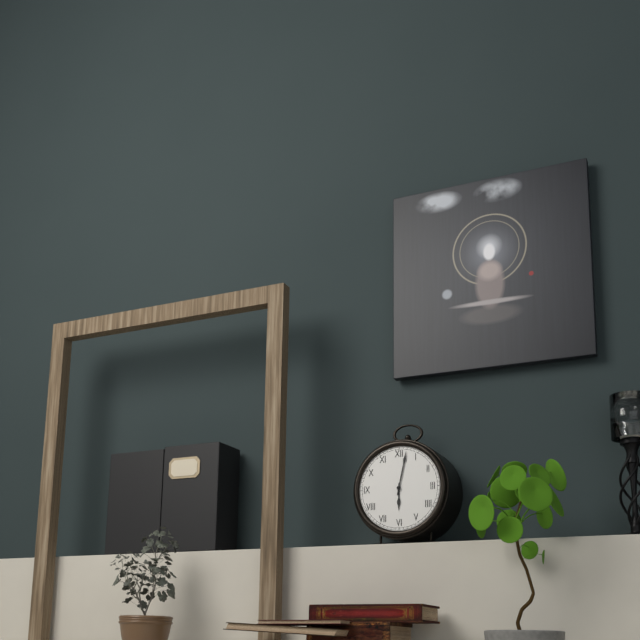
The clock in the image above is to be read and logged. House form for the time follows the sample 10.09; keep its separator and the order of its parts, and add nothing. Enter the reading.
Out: 6.02
